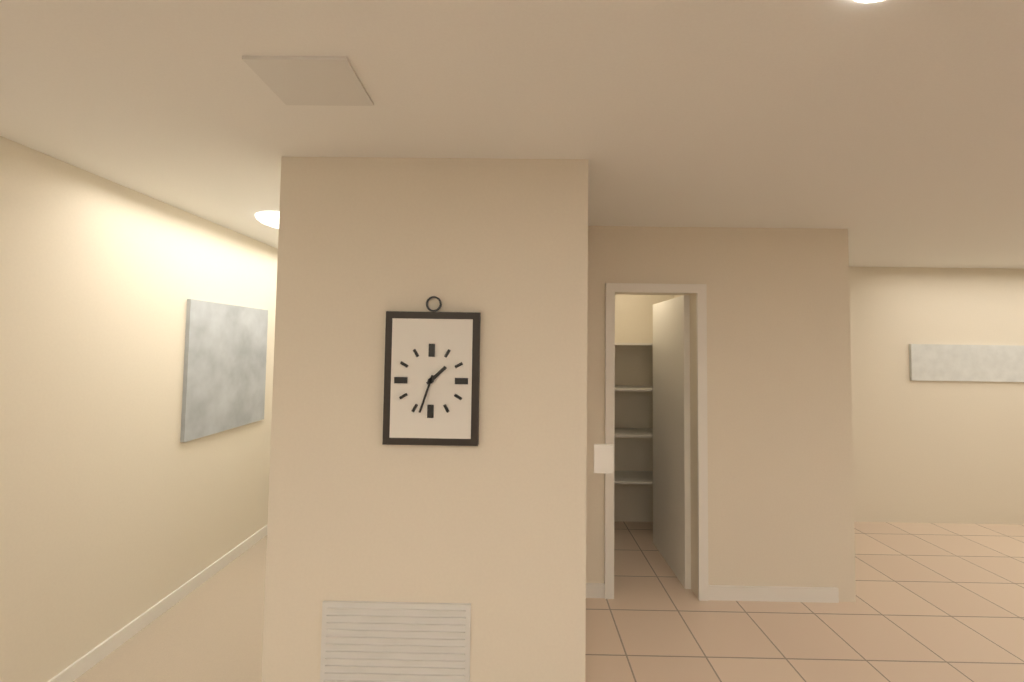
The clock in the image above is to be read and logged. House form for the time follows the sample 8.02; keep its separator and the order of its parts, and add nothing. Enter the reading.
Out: 1.33
